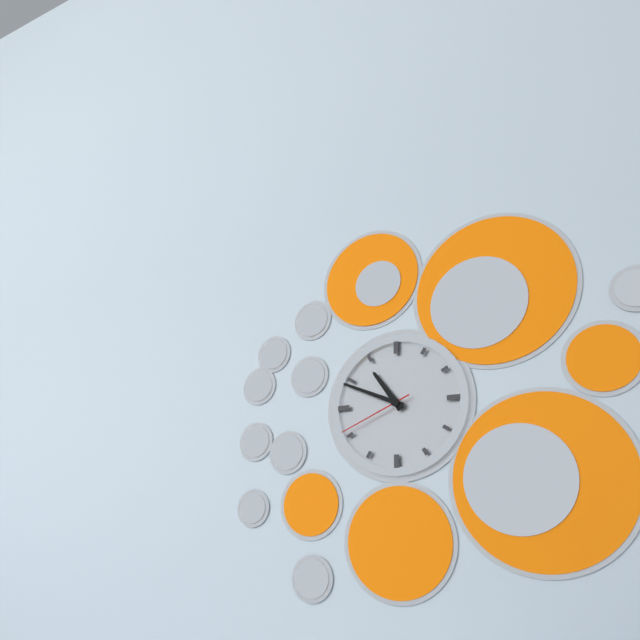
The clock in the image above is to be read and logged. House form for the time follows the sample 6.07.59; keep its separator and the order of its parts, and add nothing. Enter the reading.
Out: 10.49.41
